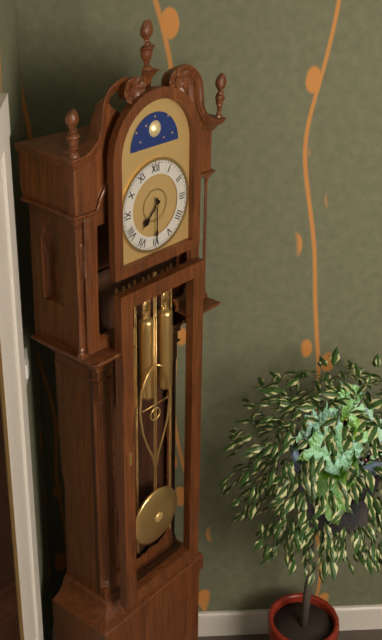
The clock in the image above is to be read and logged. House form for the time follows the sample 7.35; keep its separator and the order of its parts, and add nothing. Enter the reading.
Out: 7.30
